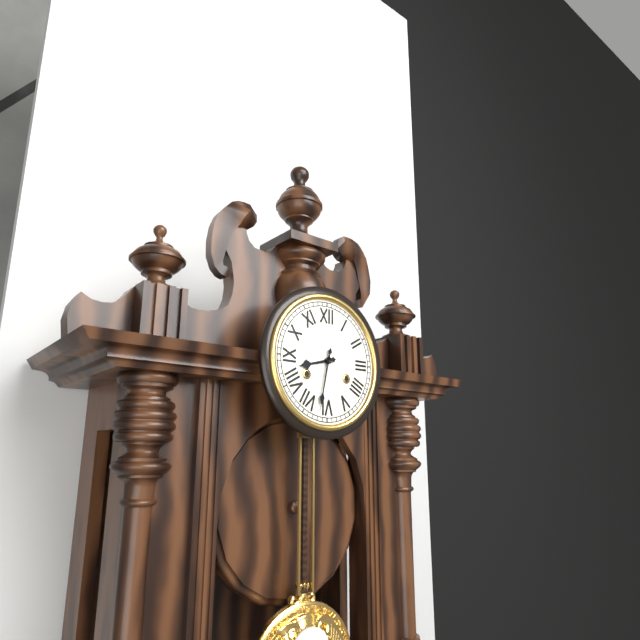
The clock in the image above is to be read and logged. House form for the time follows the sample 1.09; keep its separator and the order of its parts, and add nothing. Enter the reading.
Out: 8.32
